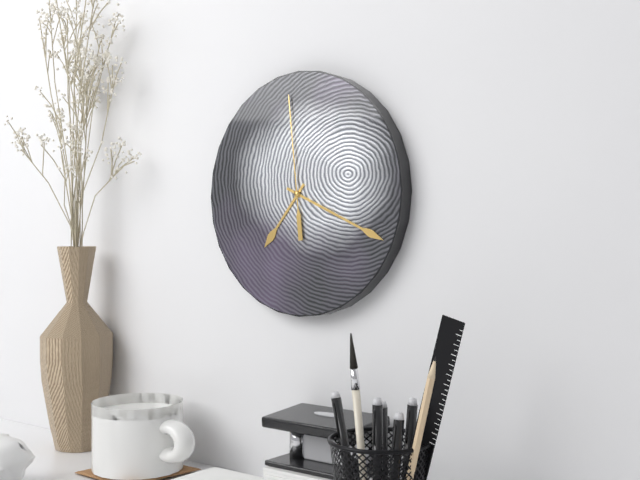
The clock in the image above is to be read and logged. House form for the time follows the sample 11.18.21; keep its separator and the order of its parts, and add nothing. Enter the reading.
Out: 7.19.59
